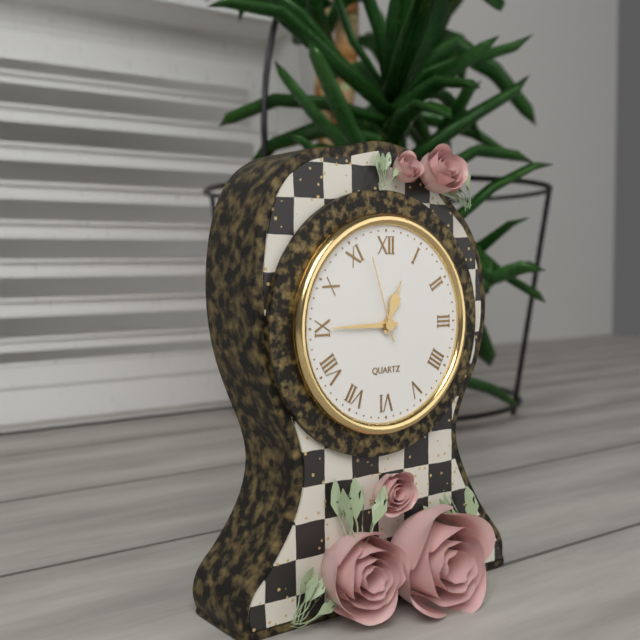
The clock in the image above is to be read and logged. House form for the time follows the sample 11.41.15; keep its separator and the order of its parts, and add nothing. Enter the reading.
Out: 12.45.57
